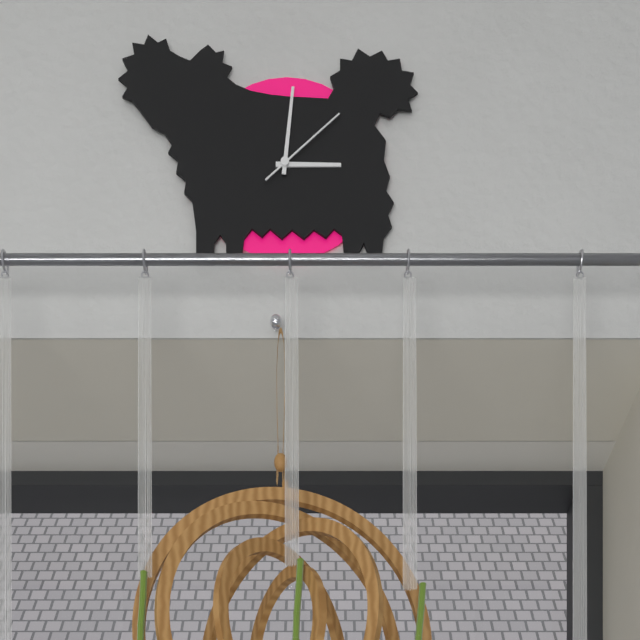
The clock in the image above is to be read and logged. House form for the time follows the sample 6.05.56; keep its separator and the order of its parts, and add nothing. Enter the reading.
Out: 3.01.08
